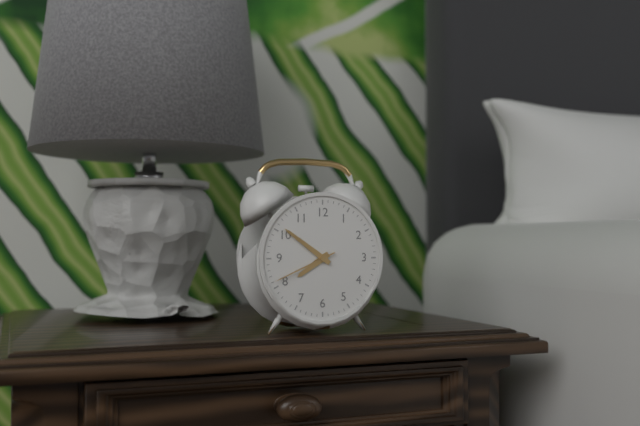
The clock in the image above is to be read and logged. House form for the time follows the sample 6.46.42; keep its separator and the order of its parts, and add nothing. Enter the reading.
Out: 7.51.41
